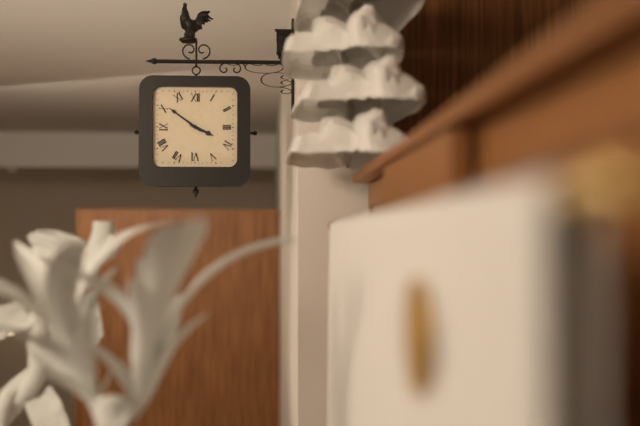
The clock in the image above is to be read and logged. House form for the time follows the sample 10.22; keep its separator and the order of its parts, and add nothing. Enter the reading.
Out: 3.51
